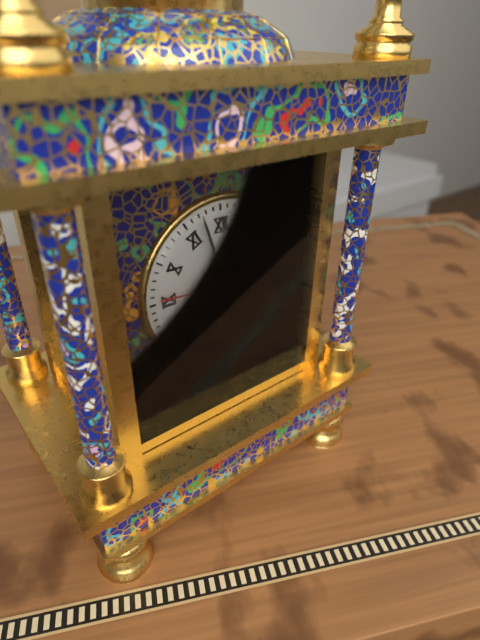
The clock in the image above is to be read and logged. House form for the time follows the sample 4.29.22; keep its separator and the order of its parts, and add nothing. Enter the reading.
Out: 4.57.46
